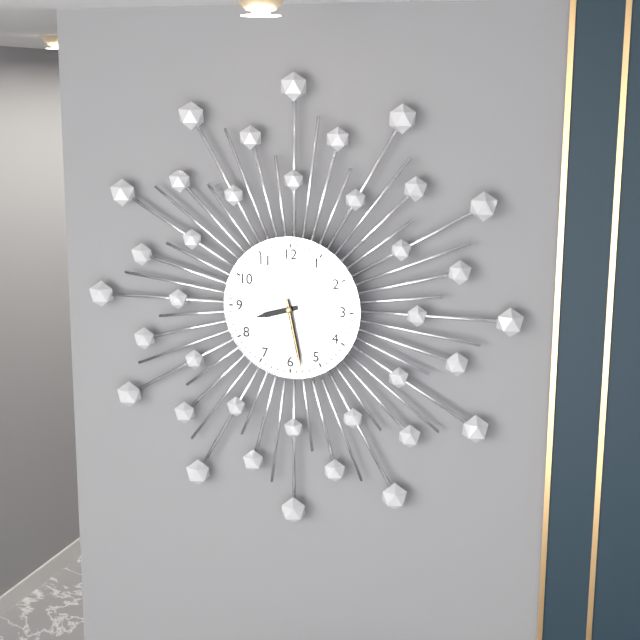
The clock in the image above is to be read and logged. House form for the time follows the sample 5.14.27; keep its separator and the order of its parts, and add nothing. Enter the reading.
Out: 8.28.28
